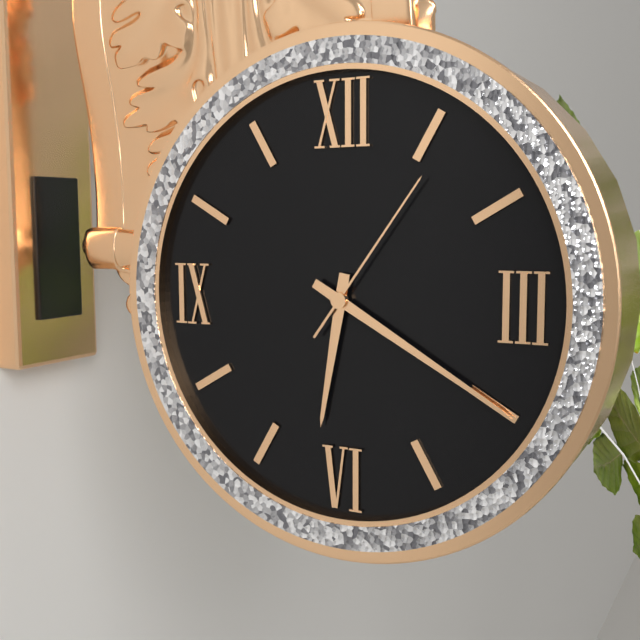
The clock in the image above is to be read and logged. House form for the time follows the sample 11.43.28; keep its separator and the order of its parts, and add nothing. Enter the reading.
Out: 6.20.06
